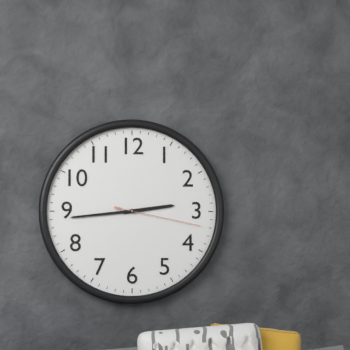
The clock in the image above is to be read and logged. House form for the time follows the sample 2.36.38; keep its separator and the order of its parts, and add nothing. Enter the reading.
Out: 2.44.17
